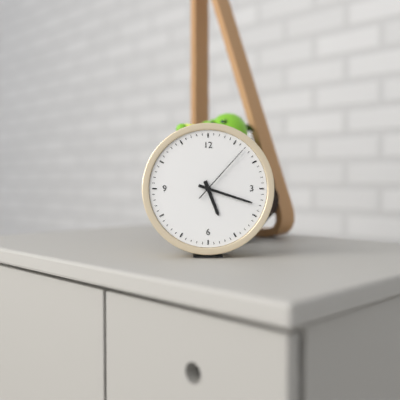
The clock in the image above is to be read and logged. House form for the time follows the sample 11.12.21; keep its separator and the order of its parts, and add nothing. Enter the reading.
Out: 5.18.07
